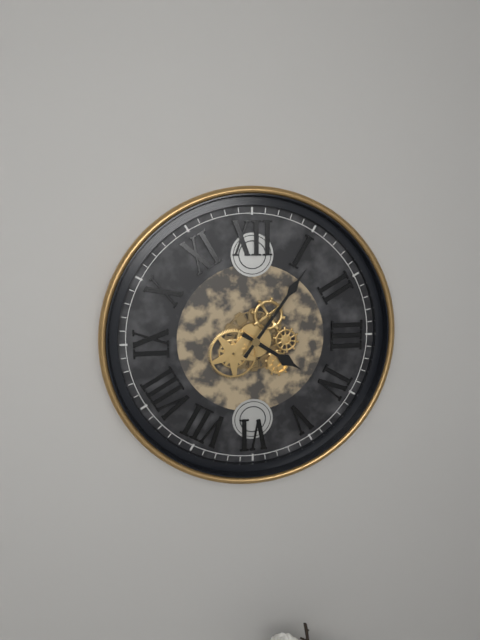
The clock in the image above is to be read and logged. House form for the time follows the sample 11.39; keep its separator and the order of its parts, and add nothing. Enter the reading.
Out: 4.06
